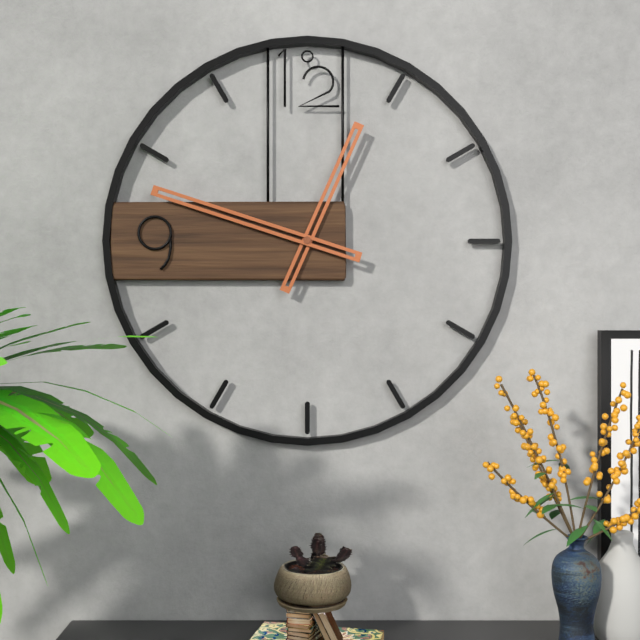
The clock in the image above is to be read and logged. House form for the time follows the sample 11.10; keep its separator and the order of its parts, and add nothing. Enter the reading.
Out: 12.48
